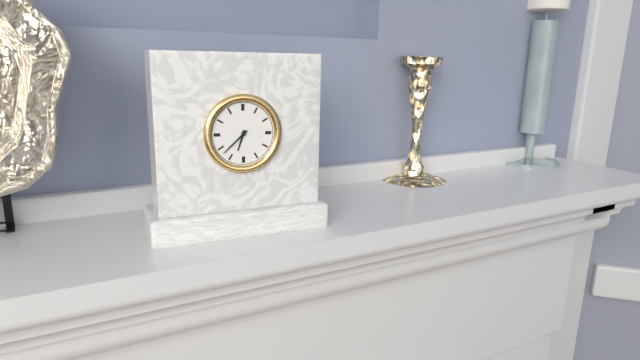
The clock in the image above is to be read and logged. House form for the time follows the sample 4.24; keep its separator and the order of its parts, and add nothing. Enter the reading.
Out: 6.38
